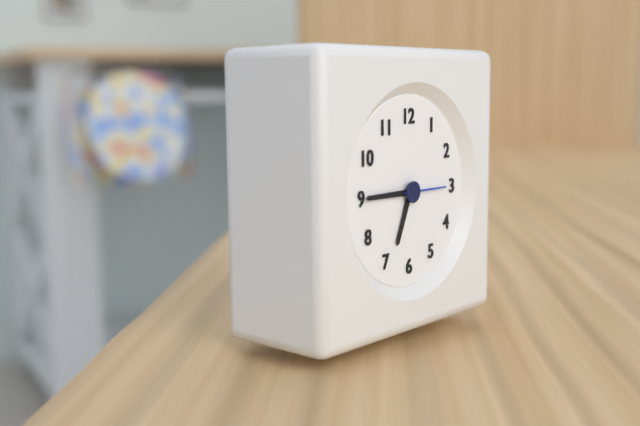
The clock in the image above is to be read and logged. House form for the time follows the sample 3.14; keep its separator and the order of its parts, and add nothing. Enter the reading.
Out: 6.45
